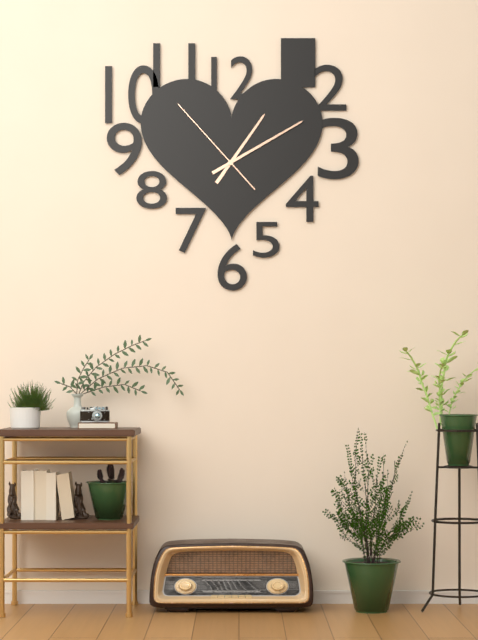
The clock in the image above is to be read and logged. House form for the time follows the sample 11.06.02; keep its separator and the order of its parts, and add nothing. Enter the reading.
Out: 1.10.53
